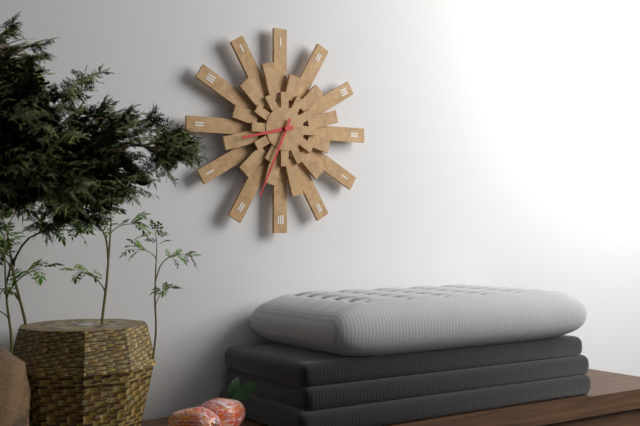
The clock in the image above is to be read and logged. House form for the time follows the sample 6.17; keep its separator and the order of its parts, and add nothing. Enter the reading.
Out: 8.34
